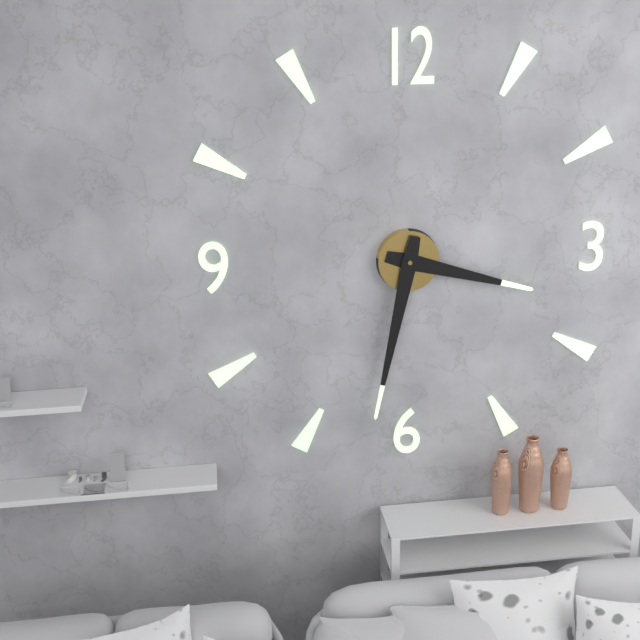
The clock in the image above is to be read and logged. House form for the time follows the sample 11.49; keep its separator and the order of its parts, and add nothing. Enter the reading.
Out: 3.32
